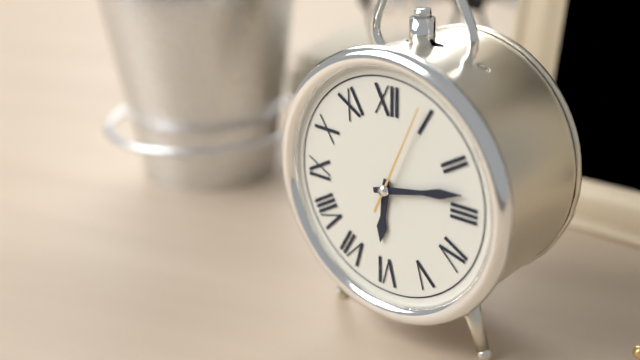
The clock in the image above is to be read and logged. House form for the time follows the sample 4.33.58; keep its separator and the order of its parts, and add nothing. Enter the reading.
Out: 6.13.04
